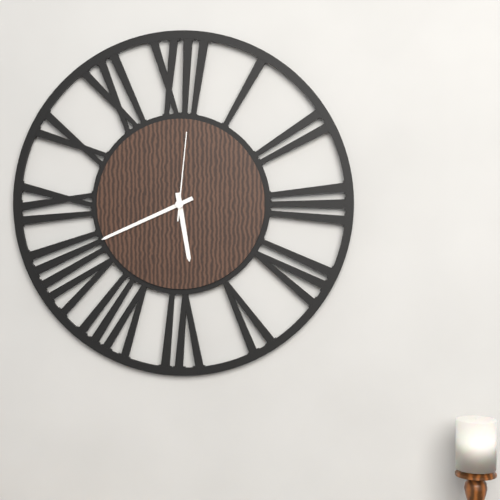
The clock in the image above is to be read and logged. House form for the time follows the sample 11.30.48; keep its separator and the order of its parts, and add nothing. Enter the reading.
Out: 5.41.01
